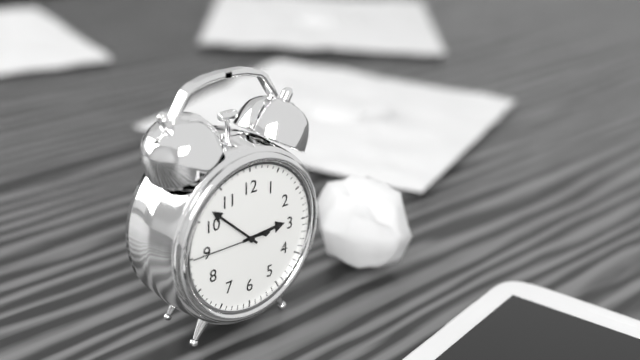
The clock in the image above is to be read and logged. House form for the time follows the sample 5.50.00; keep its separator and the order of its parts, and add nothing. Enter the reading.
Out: 2.52.45
